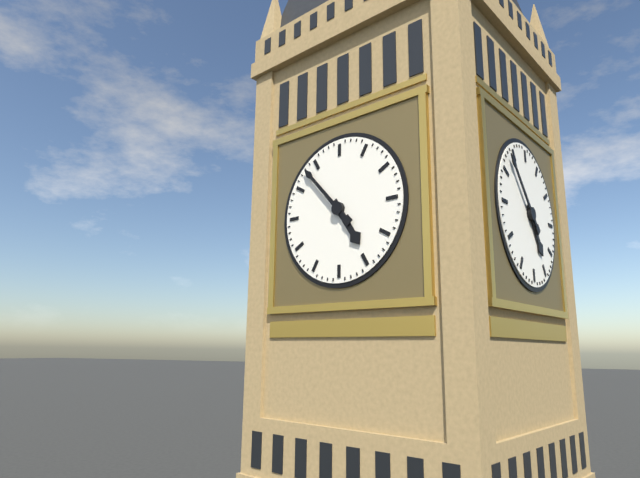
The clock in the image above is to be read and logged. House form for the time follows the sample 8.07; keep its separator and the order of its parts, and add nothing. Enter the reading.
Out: 4.53
